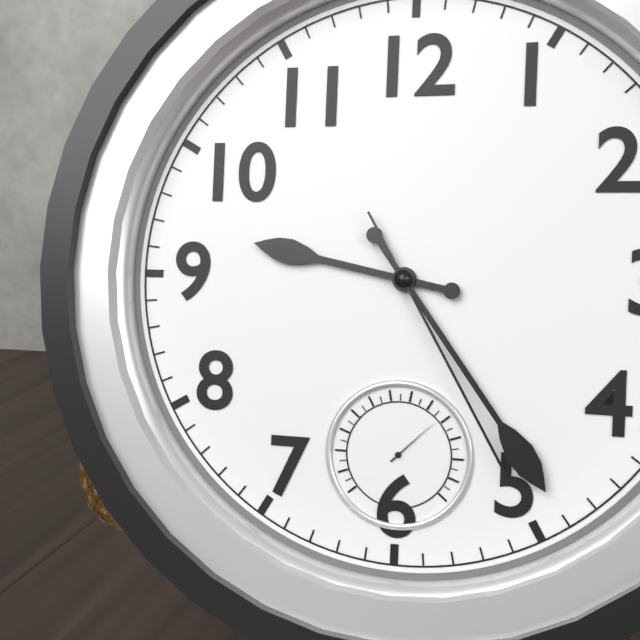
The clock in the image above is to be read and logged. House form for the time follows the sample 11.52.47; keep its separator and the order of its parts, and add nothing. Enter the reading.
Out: 9.24.25
